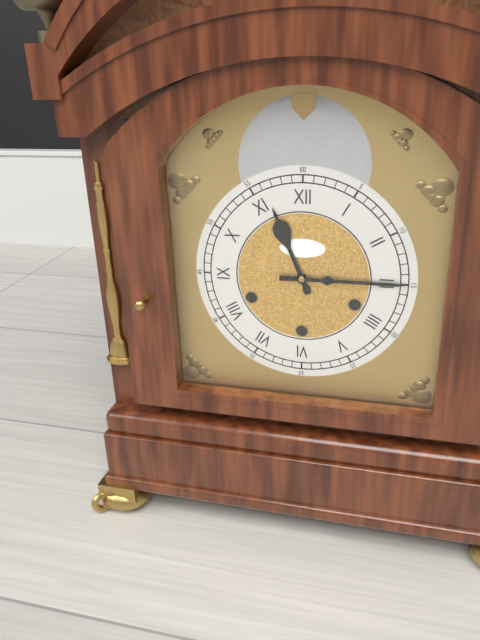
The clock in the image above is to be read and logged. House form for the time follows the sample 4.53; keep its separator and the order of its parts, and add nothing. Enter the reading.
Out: 11.15
